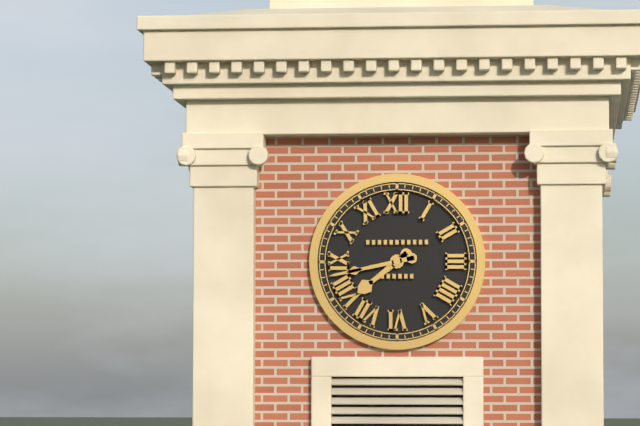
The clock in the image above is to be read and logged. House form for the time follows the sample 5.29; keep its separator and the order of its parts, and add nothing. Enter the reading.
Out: 7.43
